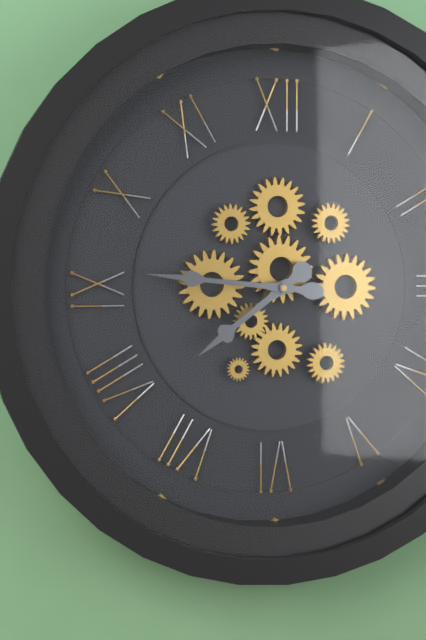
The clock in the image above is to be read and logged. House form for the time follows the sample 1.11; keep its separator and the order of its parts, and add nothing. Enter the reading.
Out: 7.46
